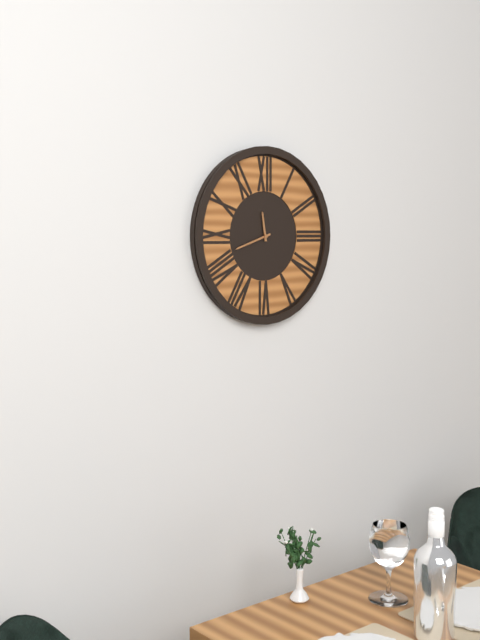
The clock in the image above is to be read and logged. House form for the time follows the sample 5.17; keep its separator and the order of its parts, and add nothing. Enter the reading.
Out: 11.42
